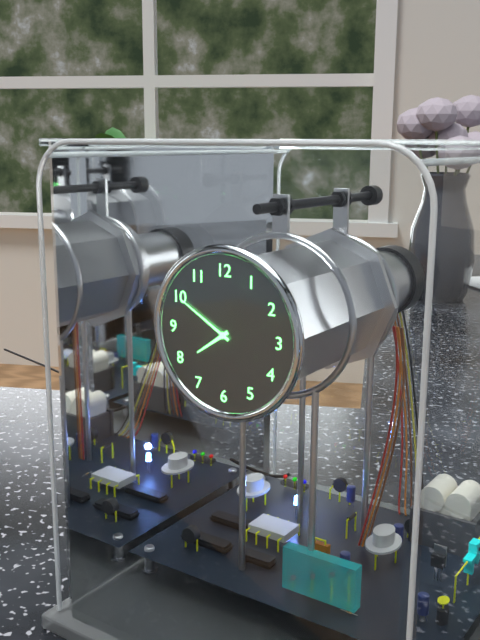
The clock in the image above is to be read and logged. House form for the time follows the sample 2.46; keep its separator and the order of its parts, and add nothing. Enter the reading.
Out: 7.50
